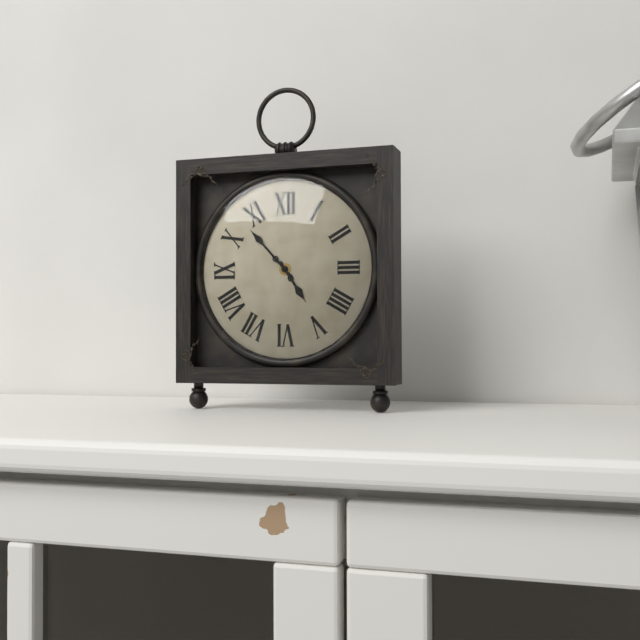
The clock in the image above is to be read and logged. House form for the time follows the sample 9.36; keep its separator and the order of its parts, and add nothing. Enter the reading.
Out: 4.53
